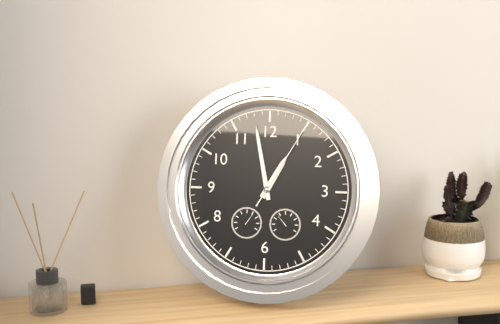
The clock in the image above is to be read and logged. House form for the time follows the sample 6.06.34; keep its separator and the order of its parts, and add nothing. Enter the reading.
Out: 12.58.05
